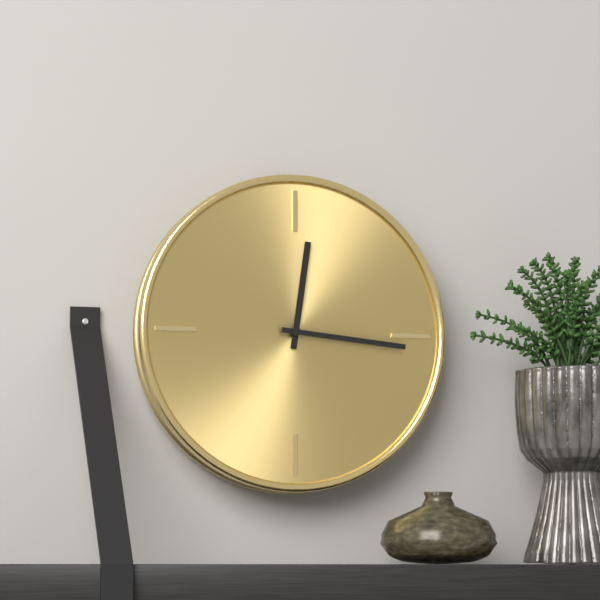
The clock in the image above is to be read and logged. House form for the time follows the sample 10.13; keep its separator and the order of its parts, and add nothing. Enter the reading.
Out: 12.16
